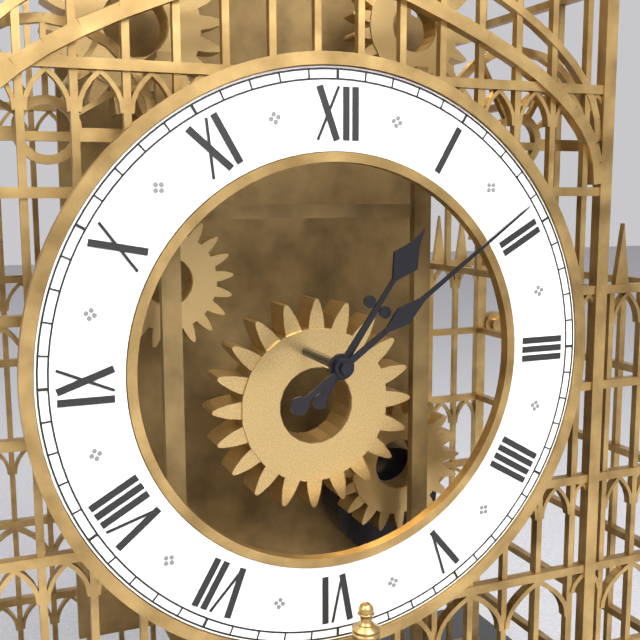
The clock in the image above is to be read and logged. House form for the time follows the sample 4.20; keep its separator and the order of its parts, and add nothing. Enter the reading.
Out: 1.09
